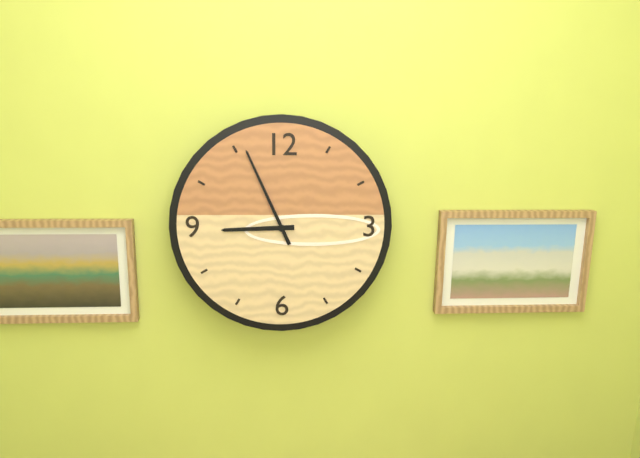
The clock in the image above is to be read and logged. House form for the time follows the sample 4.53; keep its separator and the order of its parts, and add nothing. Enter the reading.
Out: 8.56
